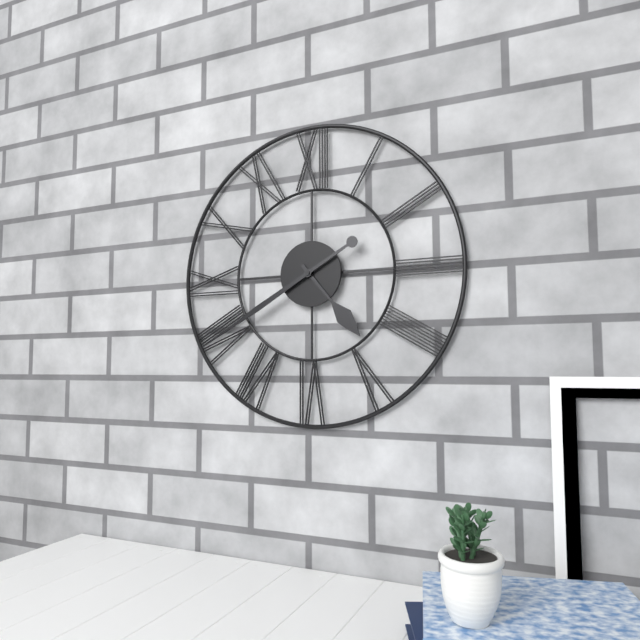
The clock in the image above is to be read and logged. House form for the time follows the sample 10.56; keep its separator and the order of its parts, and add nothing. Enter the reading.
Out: 4.40
